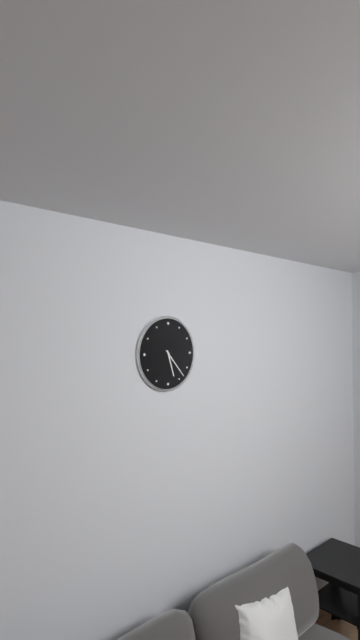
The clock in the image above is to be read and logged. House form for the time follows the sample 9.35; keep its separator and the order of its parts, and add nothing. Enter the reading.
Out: 5.23
